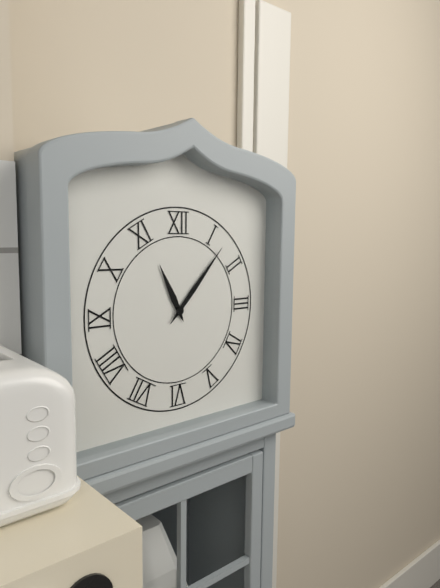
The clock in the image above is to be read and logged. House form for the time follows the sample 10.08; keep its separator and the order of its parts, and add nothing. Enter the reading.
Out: 11.07
